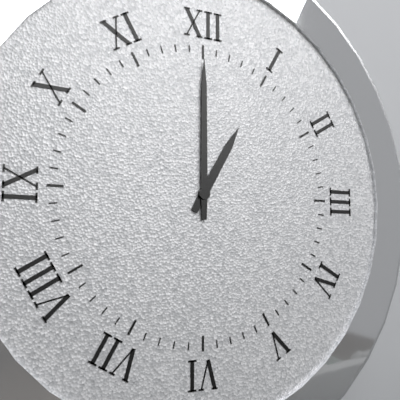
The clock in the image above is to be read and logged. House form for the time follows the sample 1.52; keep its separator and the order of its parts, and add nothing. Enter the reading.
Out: 1.00
